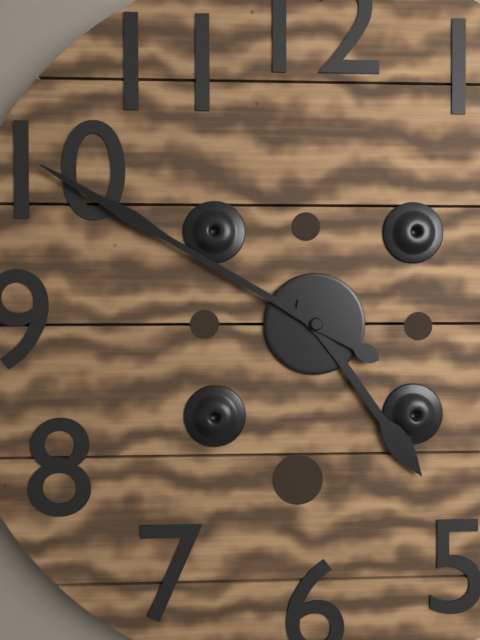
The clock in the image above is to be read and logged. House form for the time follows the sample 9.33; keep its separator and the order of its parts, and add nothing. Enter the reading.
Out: 4.50
